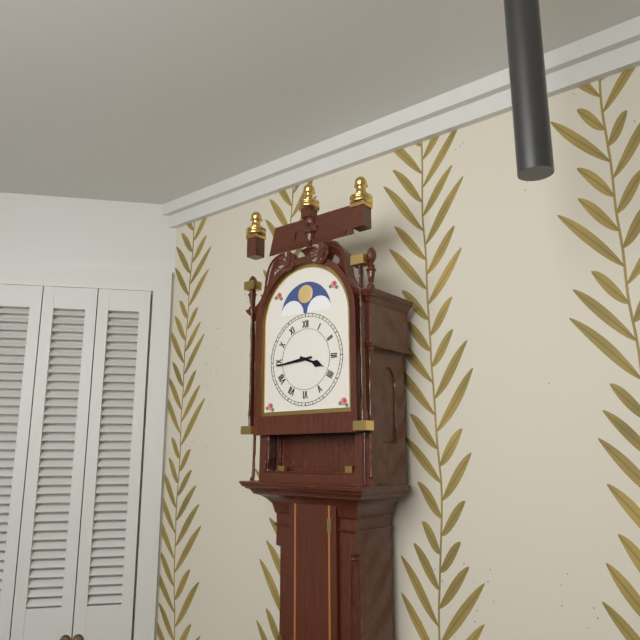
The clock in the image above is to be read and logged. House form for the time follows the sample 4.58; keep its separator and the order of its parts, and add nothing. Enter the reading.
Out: 3.44
